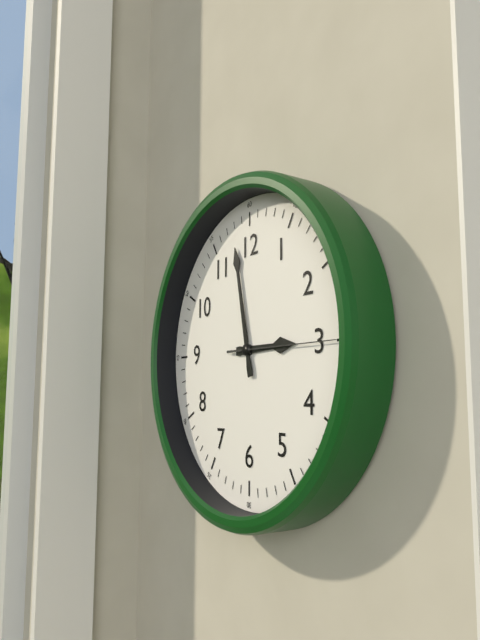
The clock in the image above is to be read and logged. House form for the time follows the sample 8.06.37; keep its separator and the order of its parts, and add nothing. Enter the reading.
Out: 2.58.15
